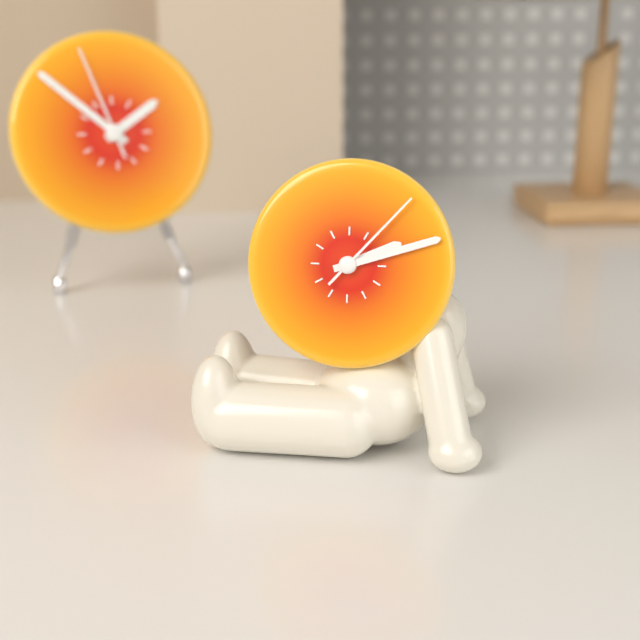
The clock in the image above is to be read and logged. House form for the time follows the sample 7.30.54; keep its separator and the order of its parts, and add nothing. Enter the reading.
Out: 2.12.07
